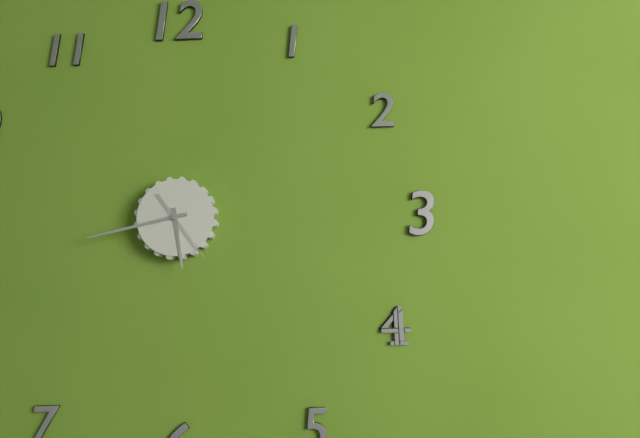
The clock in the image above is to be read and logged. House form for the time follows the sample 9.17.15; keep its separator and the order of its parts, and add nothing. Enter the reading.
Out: 5.43.24
